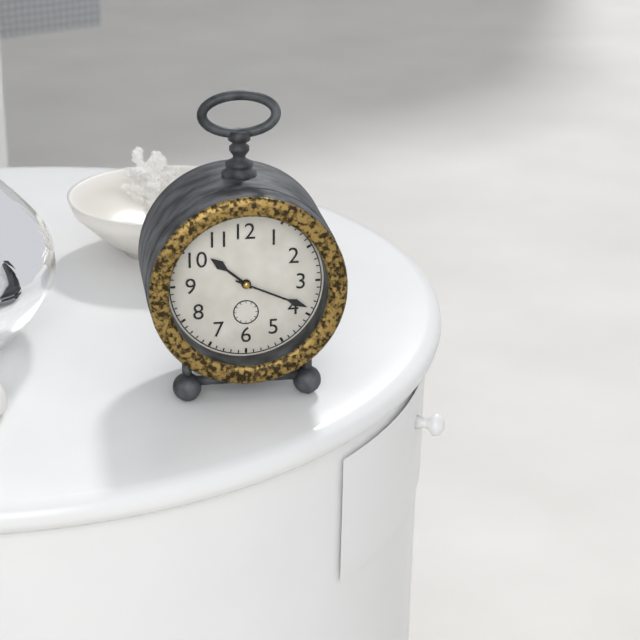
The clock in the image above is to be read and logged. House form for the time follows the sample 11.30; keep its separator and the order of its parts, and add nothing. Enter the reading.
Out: 10.19
